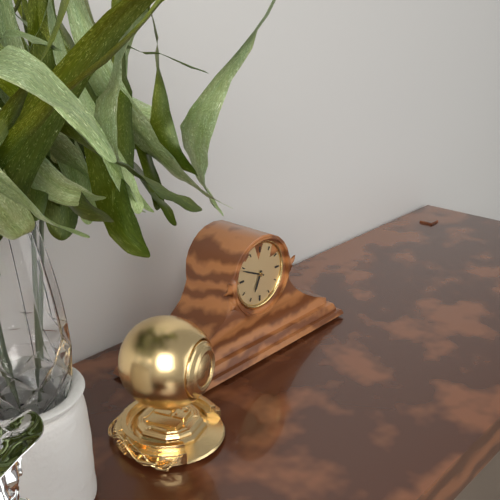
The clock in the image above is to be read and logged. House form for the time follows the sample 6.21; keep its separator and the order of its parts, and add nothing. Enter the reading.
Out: 6.49
